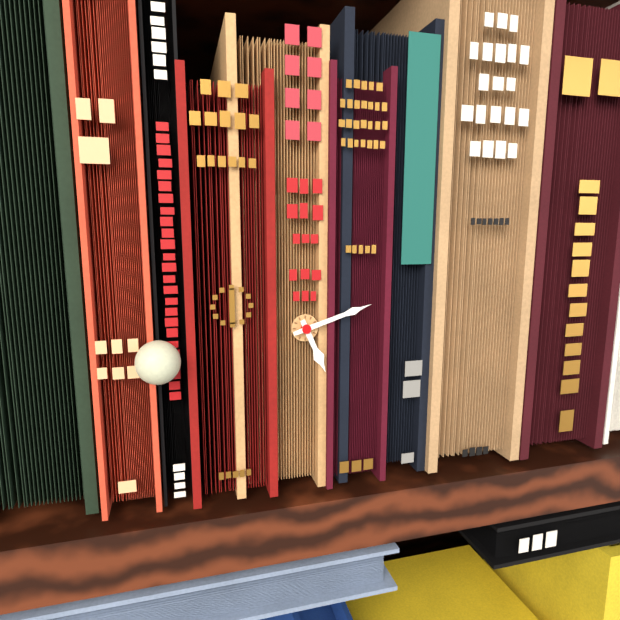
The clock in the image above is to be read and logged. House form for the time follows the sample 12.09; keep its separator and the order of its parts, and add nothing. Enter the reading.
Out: 5.12
